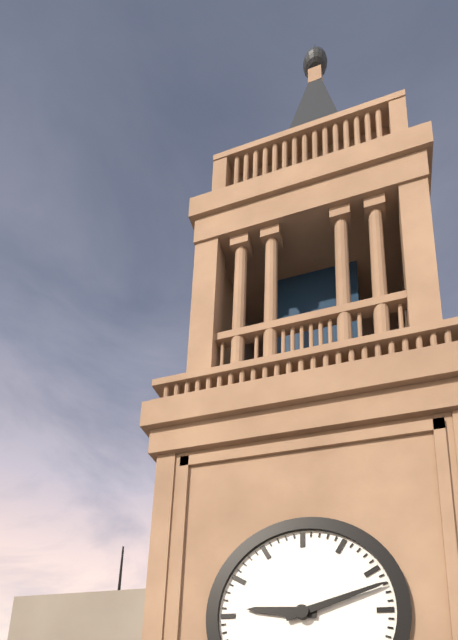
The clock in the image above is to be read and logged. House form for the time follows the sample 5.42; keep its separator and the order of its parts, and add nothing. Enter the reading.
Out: 9.12
